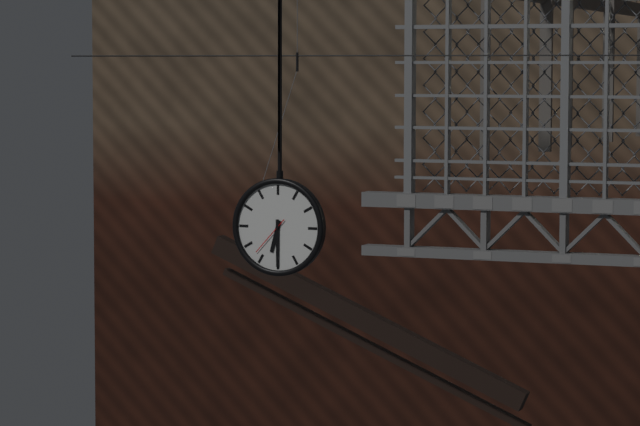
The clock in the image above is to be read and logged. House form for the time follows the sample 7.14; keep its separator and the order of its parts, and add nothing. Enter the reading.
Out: 6.30
